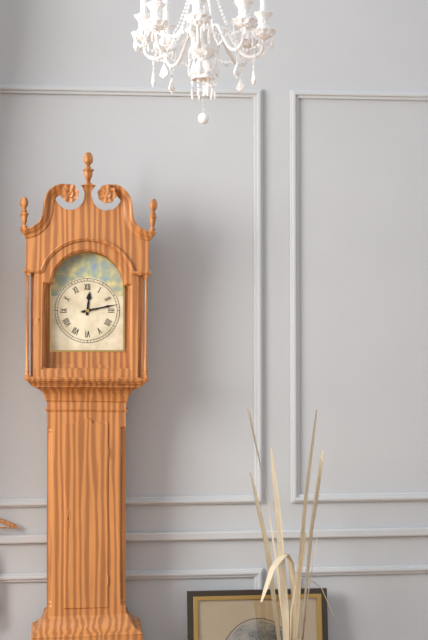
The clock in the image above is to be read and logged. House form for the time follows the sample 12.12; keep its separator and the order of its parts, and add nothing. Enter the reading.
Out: 12.13
